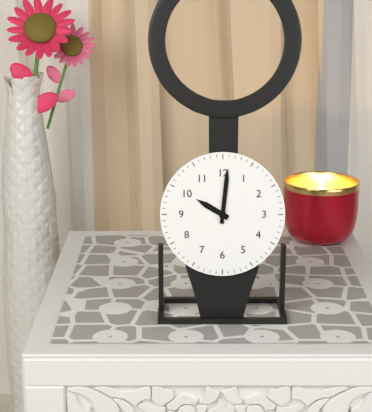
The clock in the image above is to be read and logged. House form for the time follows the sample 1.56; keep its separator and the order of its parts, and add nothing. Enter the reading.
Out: 10.01
